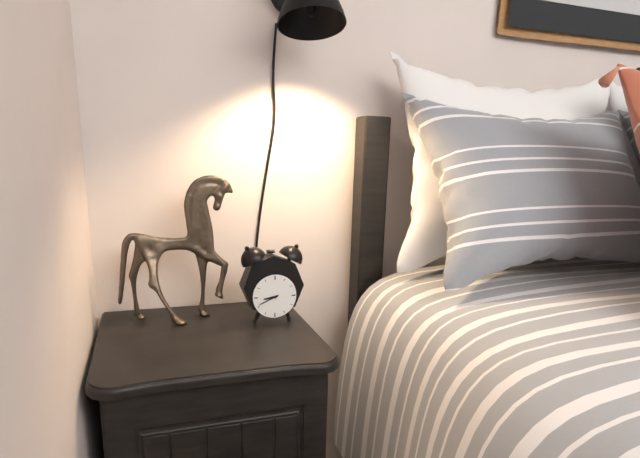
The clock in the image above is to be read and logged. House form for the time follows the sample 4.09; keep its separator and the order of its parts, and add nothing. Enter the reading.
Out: 8.41
